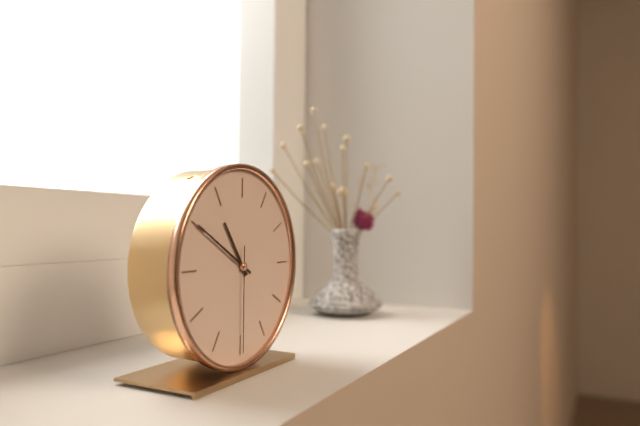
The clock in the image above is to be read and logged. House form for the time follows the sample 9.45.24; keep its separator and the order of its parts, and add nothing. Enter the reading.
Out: 10.50.30
